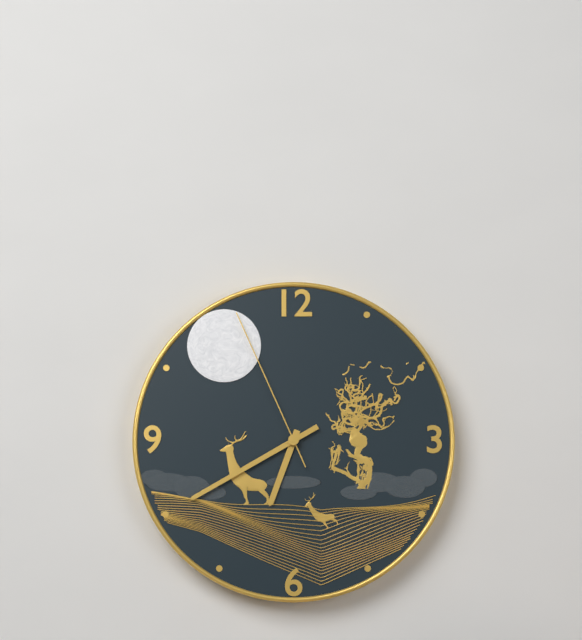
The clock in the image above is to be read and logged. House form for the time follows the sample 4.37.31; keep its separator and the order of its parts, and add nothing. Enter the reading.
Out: 6.40.56
